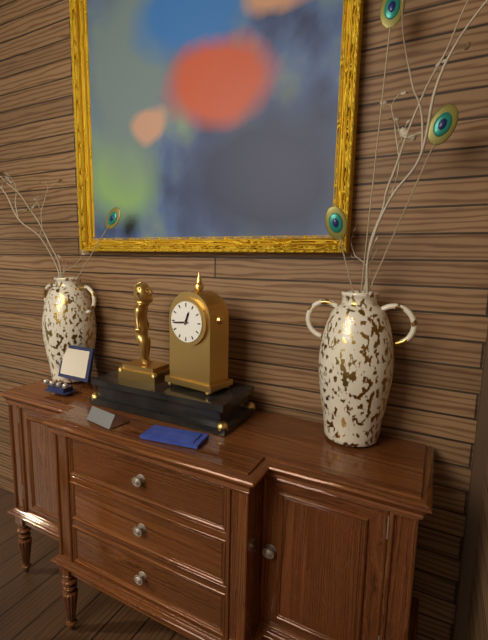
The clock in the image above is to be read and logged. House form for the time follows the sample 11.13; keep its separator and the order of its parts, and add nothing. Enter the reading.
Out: 12.44
